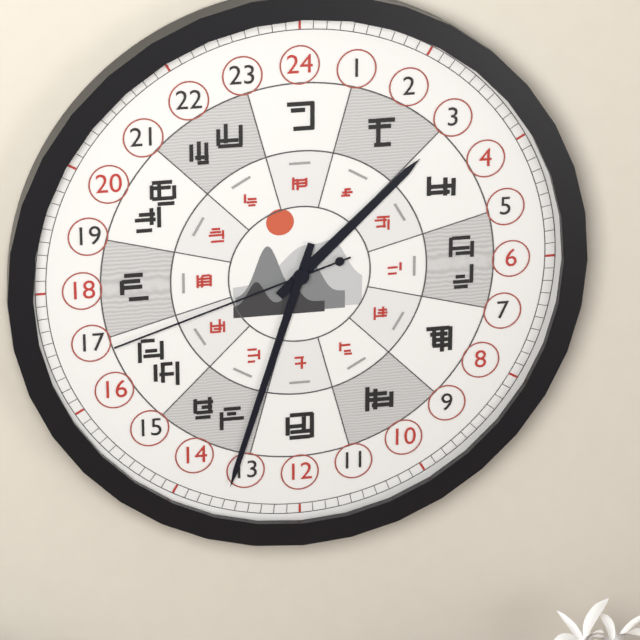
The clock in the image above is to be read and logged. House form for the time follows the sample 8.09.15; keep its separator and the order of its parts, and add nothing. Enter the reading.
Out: 1.33.42
